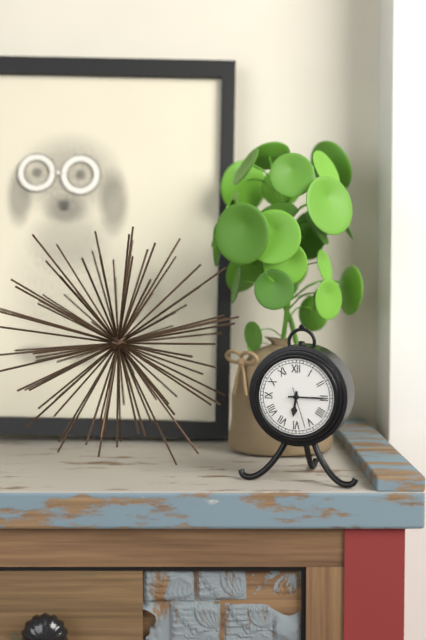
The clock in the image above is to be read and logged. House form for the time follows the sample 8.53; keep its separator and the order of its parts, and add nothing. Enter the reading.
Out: 6.15
